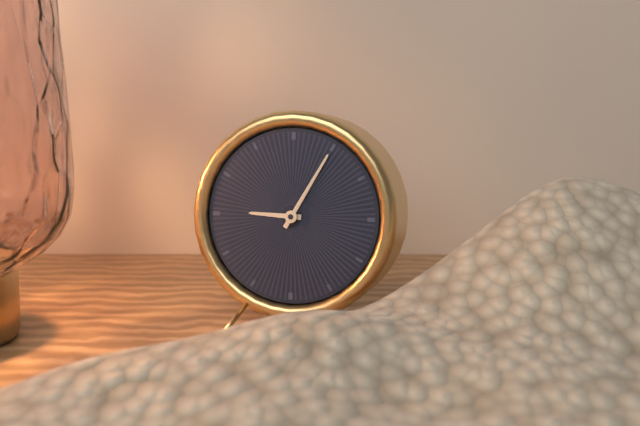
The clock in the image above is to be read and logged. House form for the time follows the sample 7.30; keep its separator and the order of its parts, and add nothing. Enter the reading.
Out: 9.05
